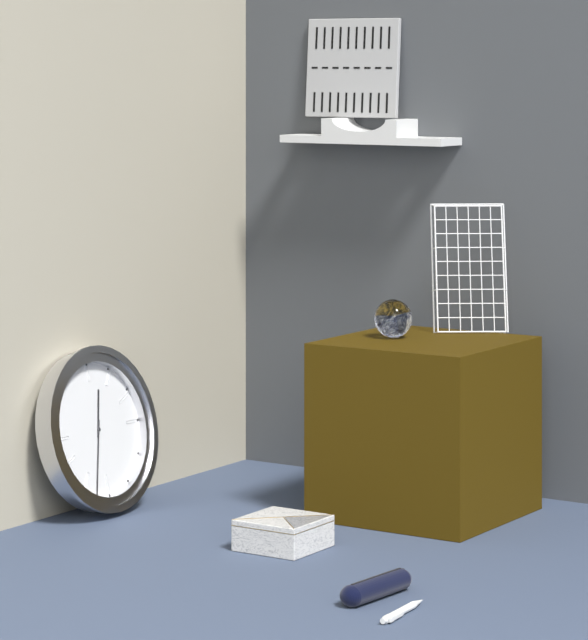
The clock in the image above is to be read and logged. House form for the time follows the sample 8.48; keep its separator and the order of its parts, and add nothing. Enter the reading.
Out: 12.33
